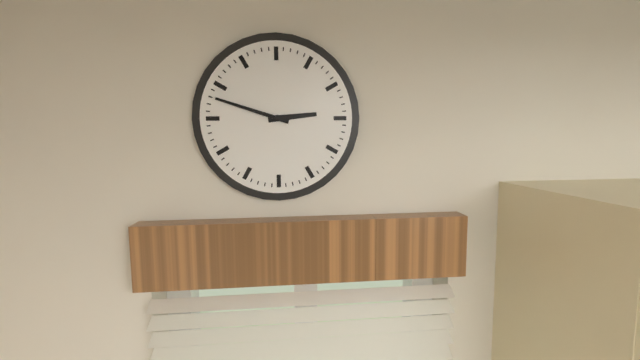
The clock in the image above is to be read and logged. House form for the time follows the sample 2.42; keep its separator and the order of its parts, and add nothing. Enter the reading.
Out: 2.48
